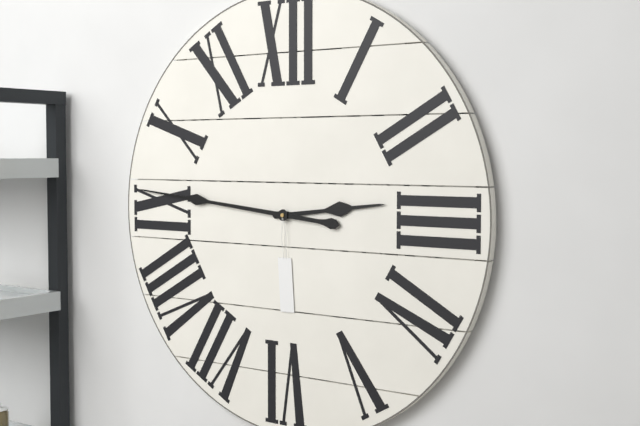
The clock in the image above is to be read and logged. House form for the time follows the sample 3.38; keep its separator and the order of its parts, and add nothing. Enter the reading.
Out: 2.46
